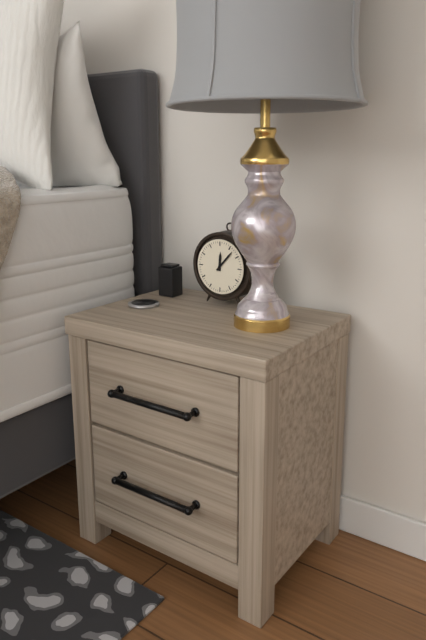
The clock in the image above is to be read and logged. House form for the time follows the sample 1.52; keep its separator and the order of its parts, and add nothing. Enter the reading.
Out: 12.07
